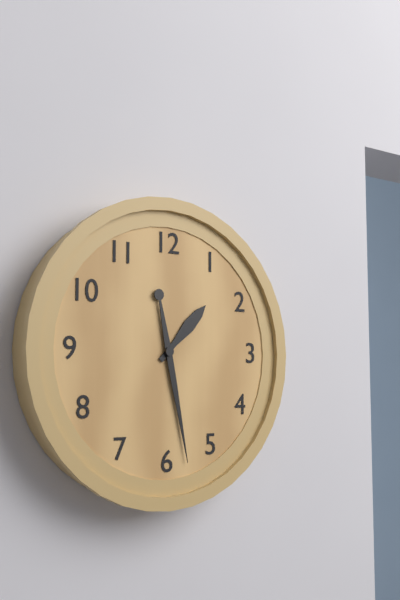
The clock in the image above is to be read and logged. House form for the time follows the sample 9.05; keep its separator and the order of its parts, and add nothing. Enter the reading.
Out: 1.28
